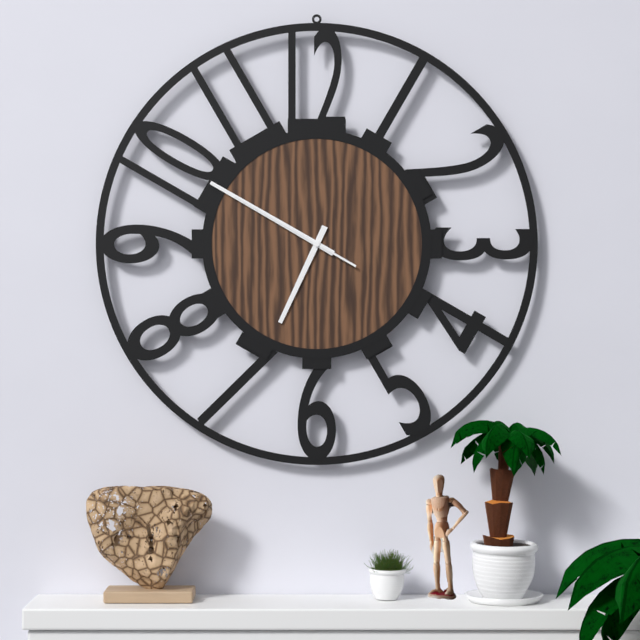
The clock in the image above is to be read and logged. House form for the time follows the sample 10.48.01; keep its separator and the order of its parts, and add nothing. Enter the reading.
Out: 6.50.50
